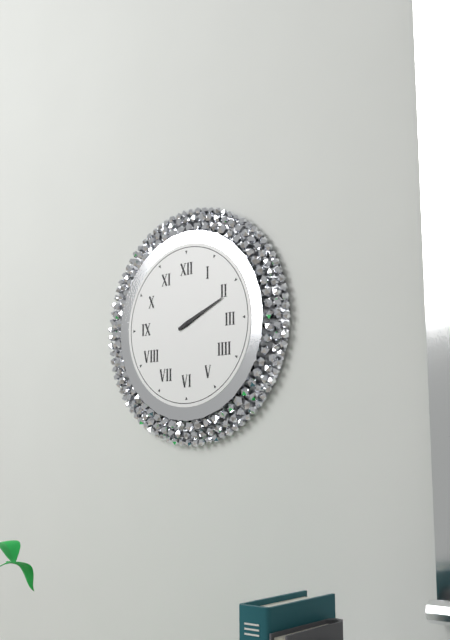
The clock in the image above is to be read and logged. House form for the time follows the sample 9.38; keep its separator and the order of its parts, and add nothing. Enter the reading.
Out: 2.11
